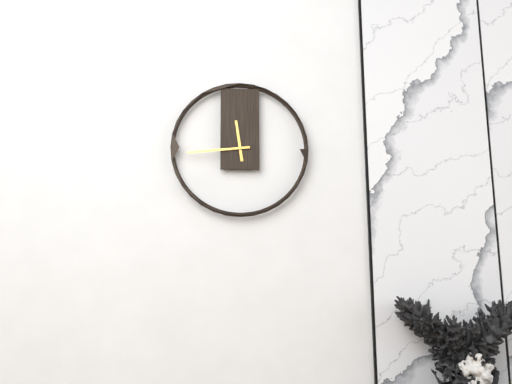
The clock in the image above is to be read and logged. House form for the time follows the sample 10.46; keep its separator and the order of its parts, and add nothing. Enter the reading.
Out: 11.44
